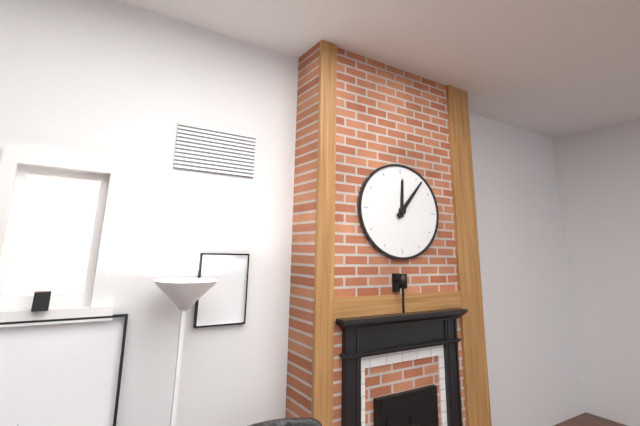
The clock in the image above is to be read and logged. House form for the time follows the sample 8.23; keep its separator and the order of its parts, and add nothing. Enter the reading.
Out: 12.07
